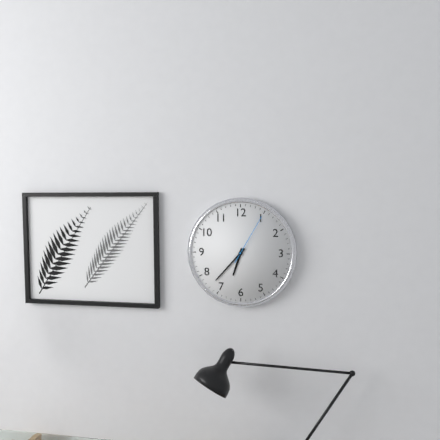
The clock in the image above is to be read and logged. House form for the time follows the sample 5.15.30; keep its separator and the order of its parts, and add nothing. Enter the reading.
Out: 6.37.05
